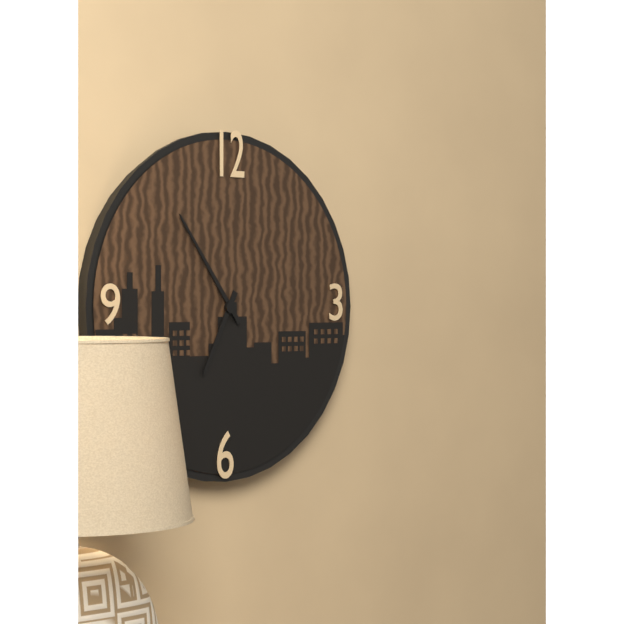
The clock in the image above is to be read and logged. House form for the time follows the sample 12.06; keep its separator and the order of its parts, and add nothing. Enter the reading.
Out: 6.54
